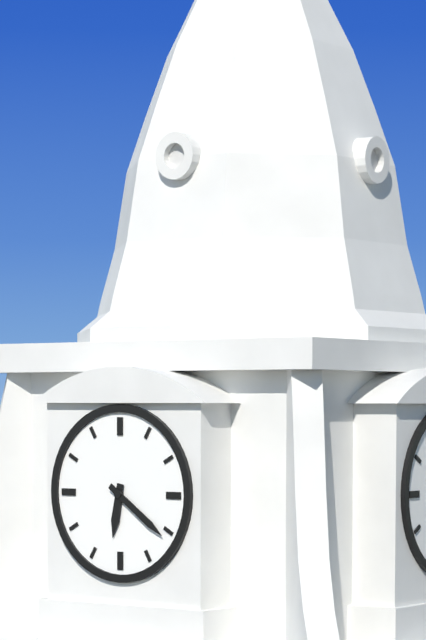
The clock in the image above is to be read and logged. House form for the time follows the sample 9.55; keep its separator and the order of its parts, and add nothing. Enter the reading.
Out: 6.21
